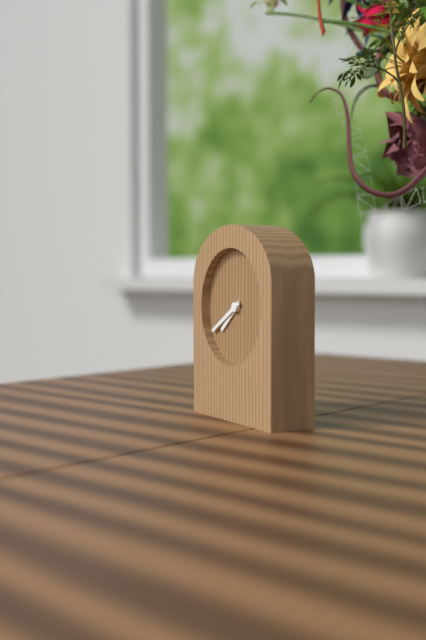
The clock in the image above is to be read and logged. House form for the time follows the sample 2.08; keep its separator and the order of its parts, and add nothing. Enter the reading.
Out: 7.40
